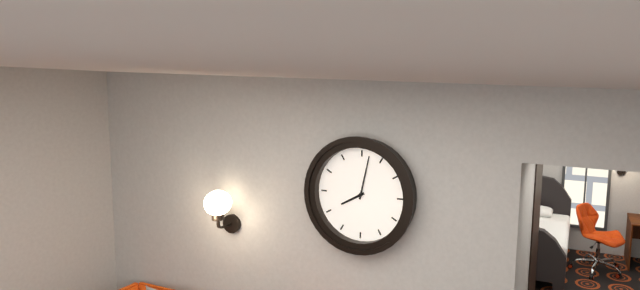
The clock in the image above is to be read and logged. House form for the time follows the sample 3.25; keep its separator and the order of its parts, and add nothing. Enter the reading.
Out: 8.02
